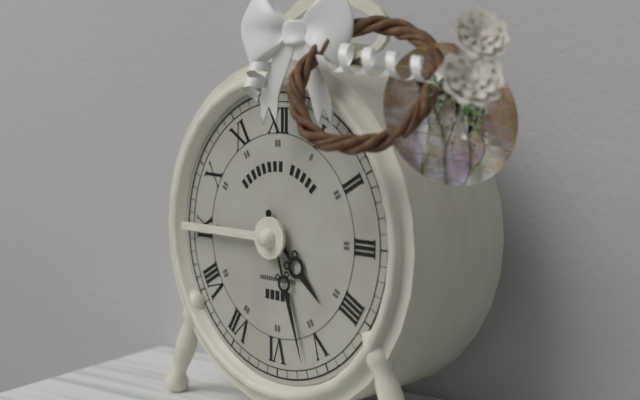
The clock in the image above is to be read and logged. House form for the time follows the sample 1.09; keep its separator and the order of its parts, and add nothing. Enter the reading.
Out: 4.27
